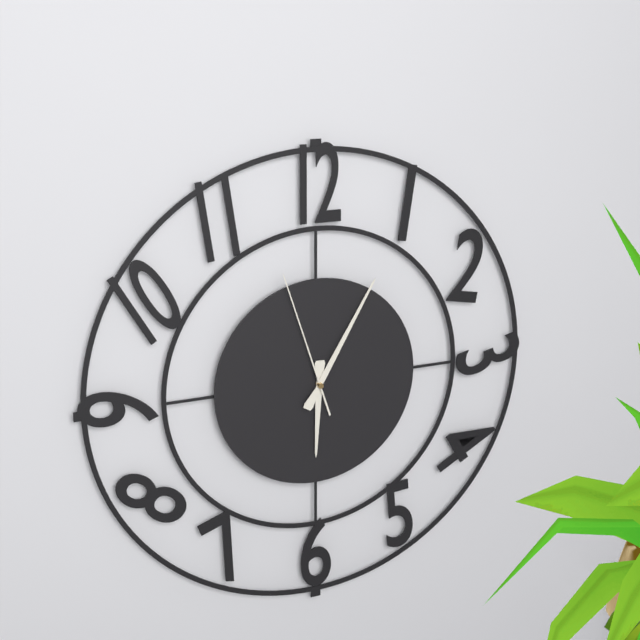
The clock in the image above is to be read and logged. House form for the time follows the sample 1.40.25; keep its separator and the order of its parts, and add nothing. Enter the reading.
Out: 6.05.57
